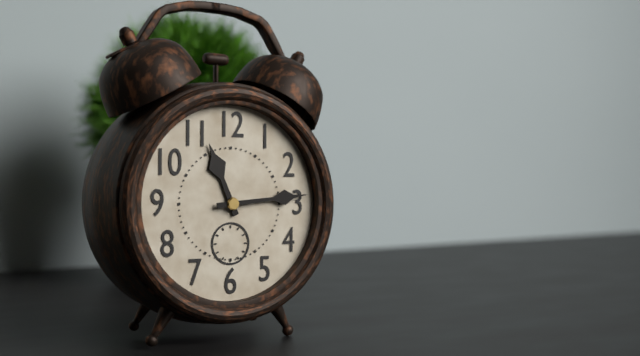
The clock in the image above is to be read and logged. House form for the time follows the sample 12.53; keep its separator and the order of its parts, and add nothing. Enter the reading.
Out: 11.14
